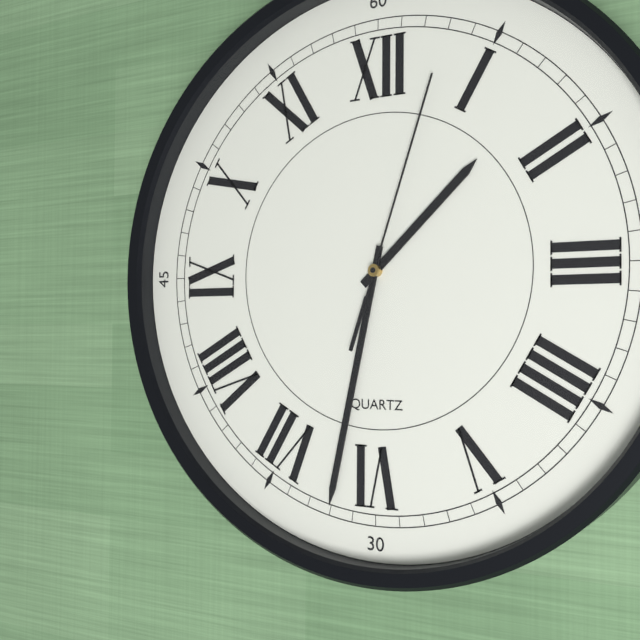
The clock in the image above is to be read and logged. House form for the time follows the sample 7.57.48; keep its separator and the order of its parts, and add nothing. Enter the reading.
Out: 1.32.03
